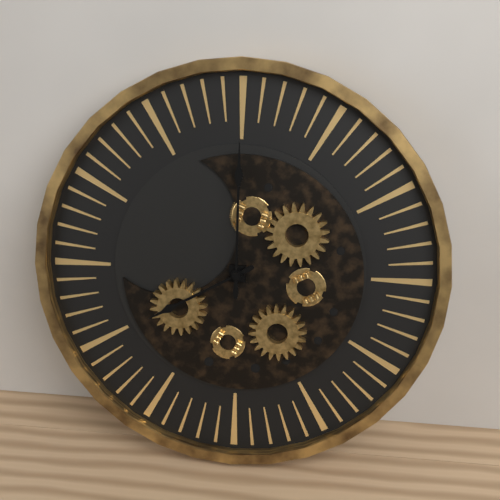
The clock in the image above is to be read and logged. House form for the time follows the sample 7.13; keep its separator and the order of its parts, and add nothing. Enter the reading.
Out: 8.00
